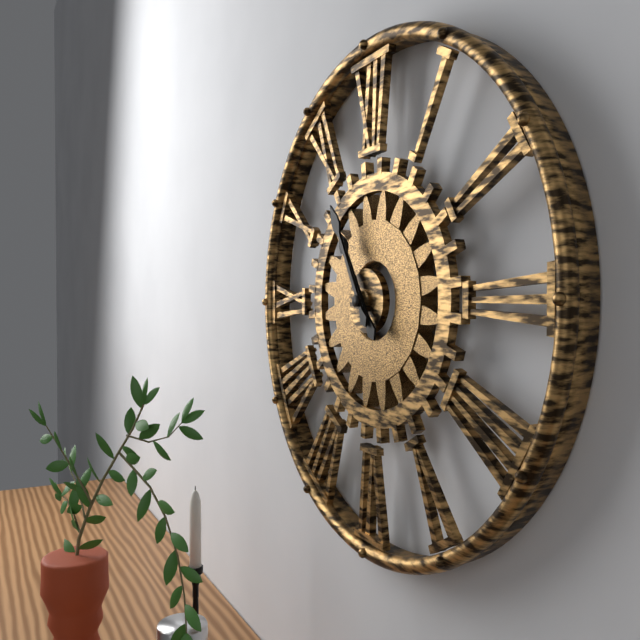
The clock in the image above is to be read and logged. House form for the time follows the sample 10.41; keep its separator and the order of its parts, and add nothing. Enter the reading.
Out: 10.55
